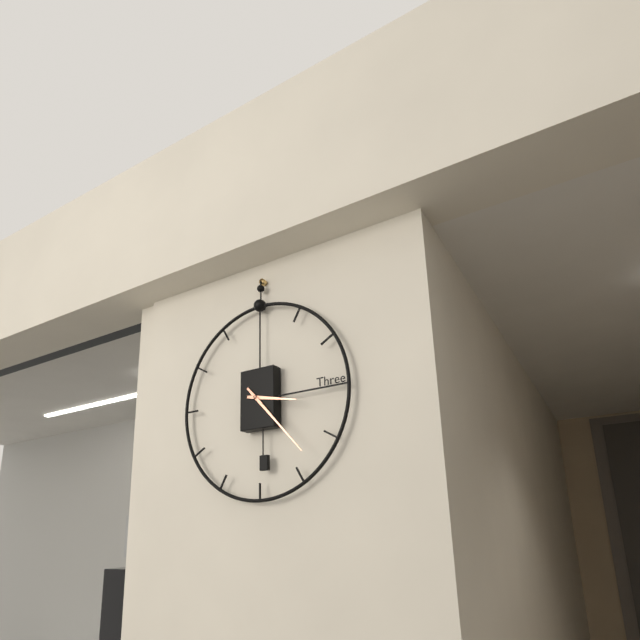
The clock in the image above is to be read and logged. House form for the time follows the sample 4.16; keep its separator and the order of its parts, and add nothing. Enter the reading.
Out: 3.23
